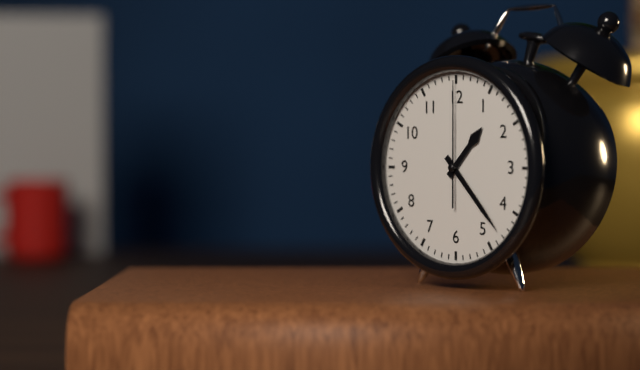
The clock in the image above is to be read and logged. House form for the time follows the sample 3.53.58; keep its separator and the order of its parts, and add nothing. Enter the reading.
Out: 1.23.00
